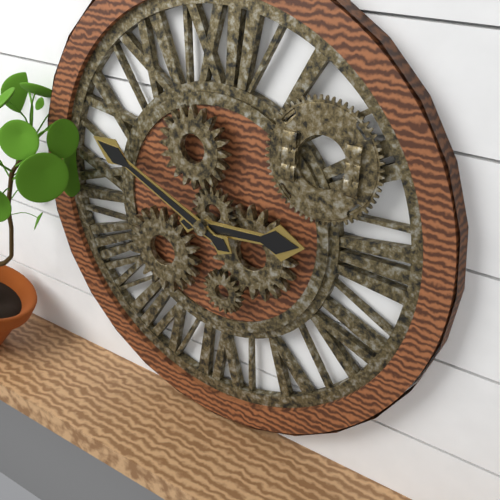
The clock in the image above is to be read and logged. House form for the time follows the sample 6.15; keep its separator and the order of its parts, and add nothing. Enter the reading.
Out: 2.49
